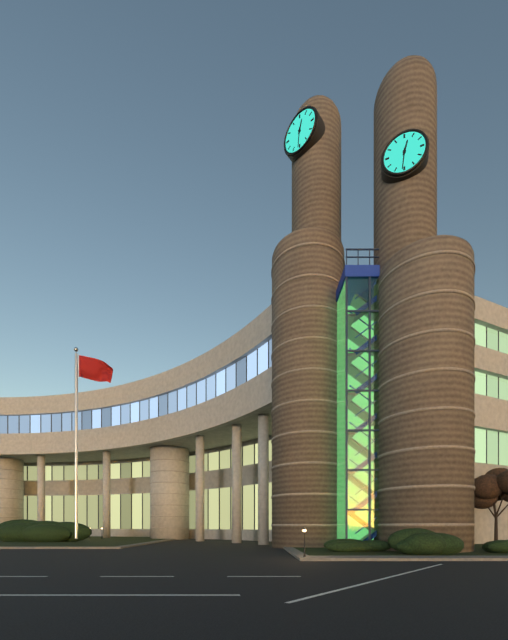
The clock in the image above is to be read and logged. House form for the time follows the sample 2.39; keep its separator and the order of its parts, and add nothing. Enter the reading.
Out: 12.31
